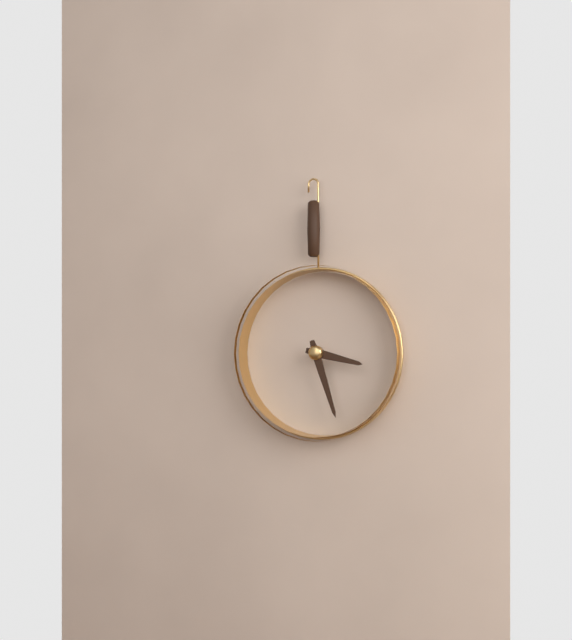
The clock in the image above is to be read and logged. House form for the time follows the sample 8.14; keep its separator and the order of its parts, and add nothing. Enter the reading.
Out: 3.27
